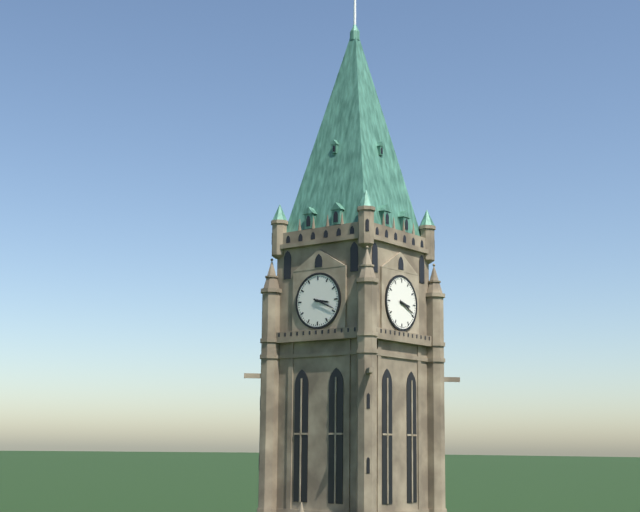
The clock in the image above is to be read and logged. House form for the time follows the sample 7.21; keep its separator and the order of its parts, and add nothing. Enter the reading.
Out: 3.19
